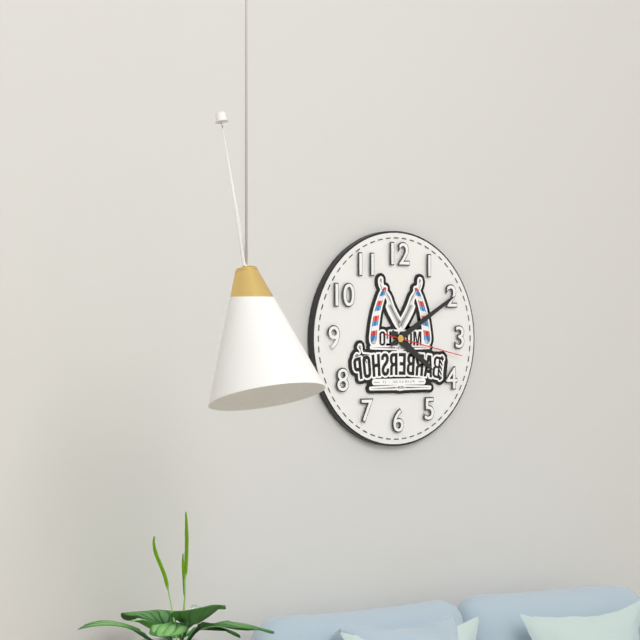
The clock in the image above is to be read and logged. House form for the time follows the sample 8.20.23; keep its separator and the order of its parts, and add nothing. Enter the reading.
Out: 4.10.17
